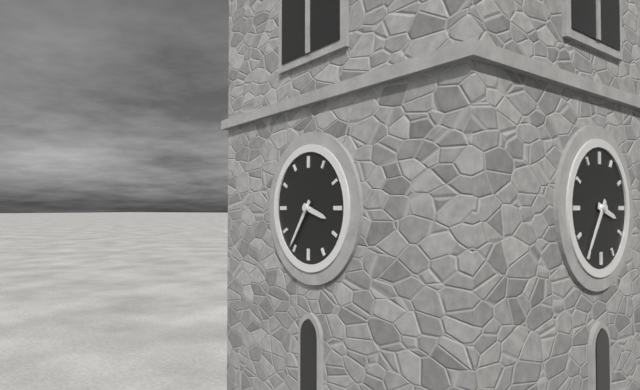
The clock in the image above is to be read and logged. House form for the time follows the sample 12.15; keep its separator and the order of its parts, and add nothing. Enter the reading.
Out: 3.36
